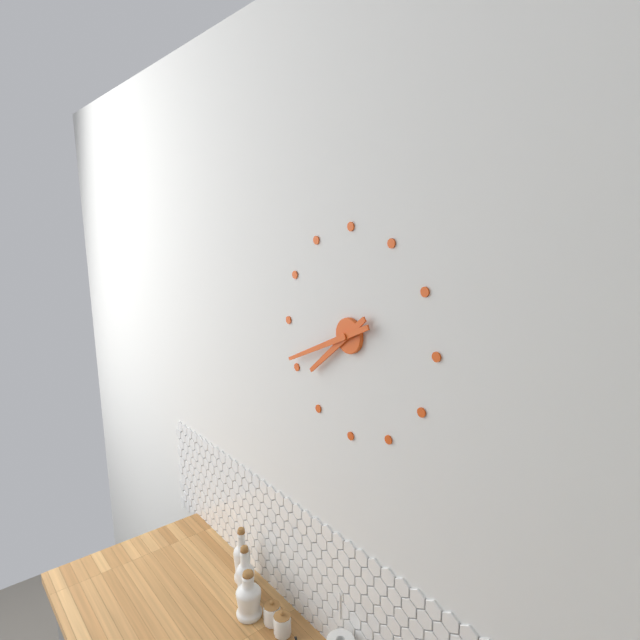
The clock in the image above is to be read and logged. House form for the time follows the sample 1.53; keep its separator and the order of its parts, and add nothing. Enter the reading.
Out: 7.41
